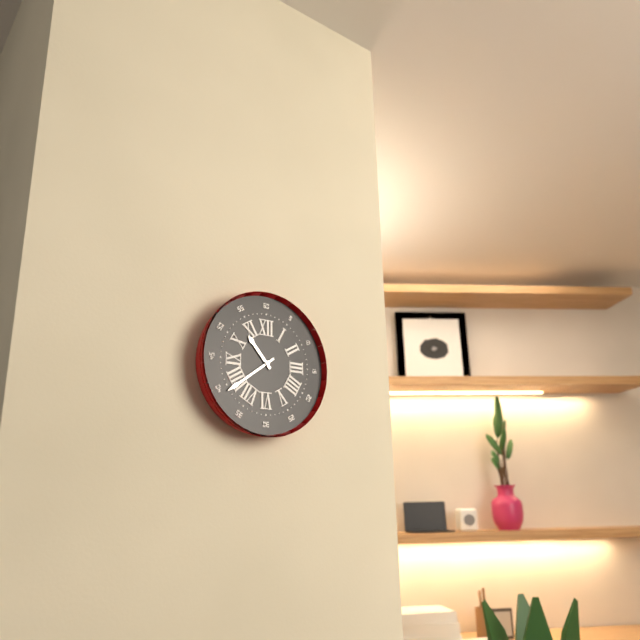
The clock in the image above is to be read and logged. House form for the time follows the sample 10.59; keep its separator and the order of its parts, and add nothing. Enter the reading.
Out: 10.39
